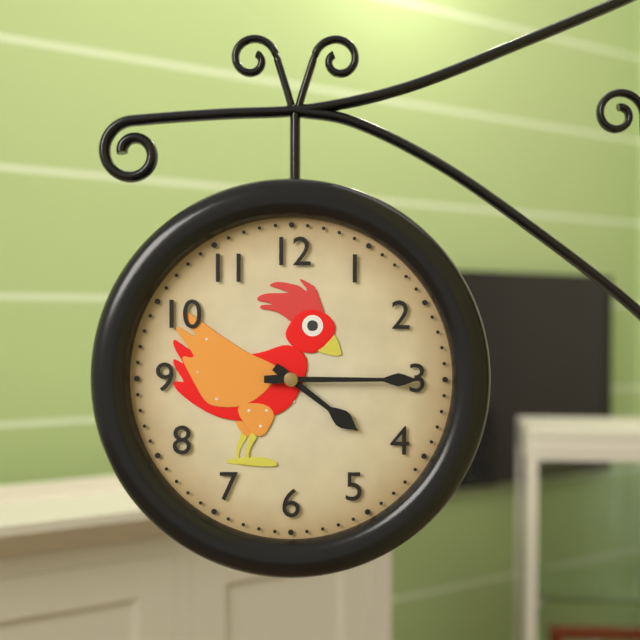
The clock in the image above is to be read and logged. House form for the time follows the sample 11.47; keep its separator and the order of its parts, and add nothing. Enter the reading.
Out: 4.15
